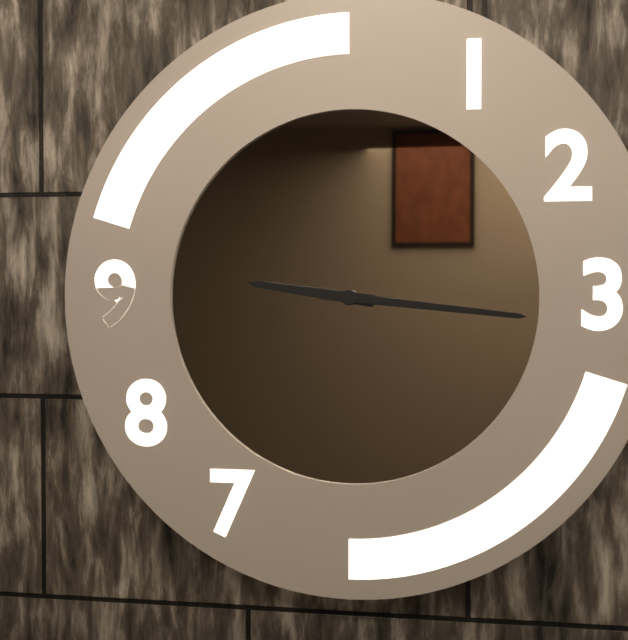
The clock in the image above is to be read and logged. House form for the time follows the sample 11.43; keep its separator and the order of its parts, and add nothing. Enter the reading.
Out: 9.16
